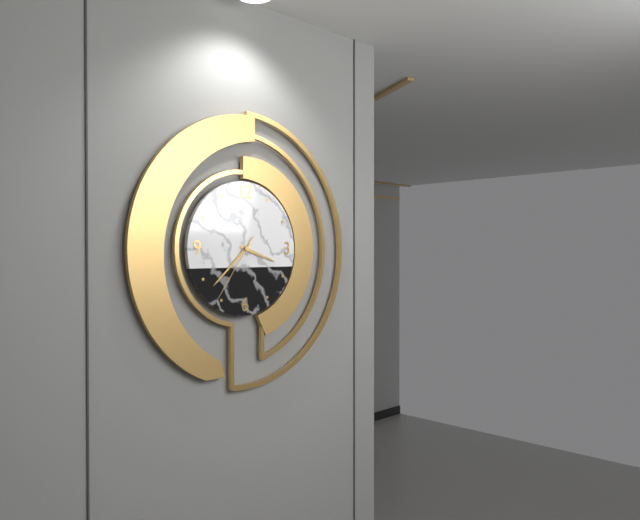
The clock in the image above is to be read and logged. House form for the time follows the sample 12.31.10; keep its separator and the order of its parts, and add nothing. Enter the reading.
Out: 3.38.36
